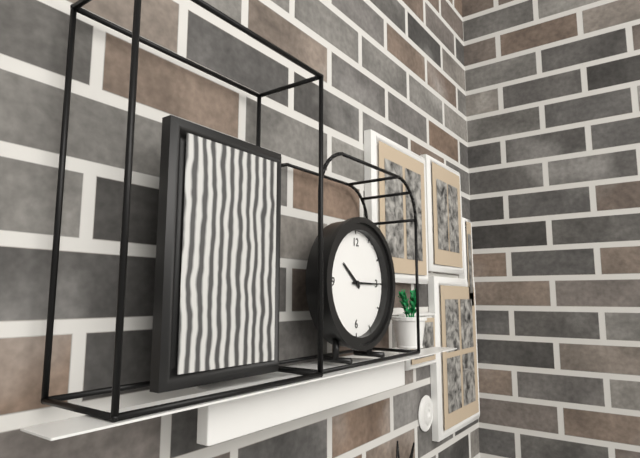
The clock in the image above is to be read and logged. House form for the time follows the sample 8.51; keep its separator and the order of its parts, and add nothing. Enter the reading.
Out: 10.15
